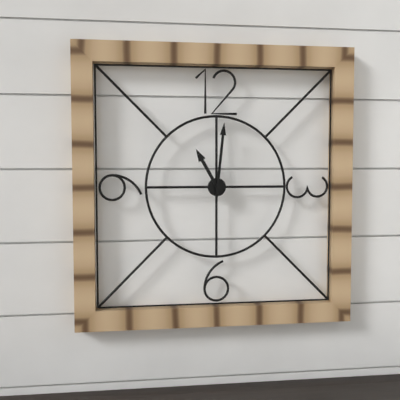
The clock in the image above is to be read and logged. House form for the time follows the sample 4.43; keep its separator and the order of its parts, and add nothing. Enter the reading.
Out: 11.01
